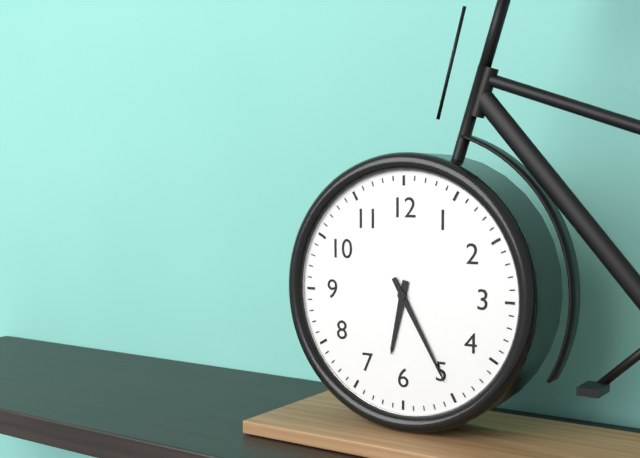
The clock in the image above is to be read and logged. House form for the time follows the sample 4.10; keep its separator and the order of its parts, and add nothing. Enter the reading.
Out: 6.25
